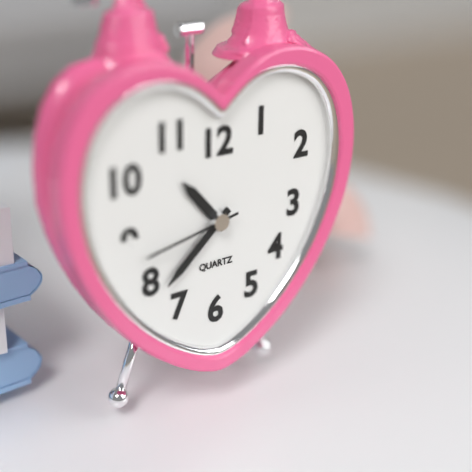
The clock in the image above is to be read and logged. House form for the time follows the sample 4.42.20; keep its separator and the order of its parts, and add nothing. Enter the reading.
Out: 10.38.43
